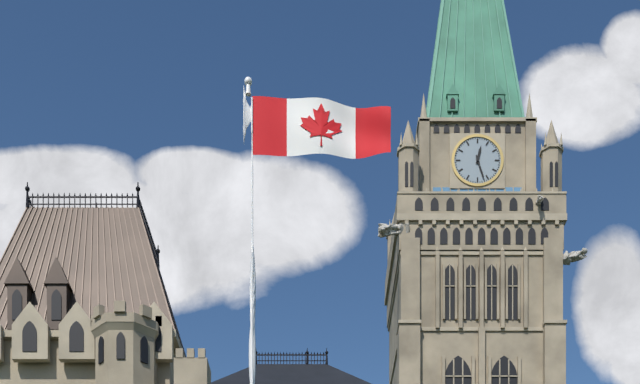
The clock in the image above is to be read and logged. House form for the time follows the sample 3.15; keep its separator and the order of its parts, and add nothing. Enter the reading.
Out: 12.27
